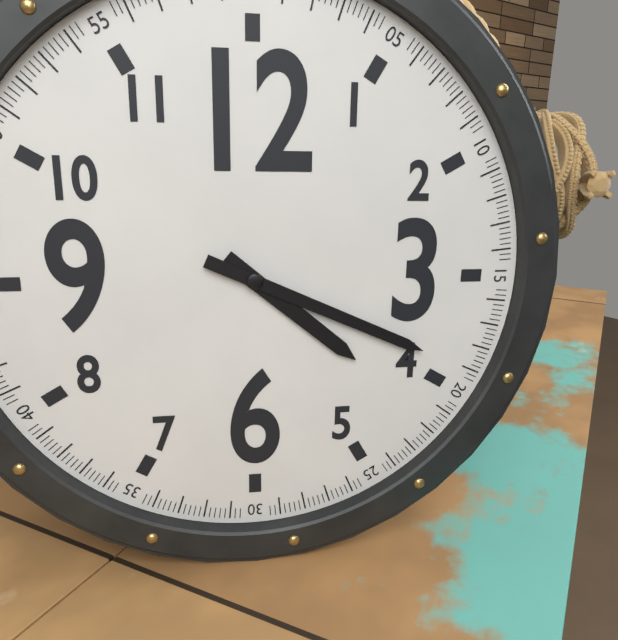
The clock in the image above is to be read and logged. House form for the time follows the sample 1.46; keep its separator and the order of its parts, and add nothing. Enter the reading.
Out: 4.19
